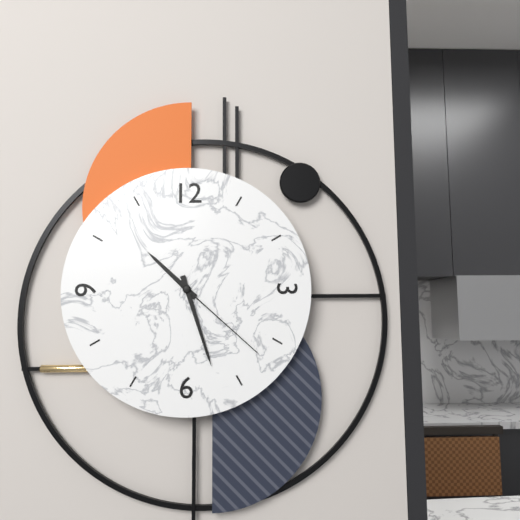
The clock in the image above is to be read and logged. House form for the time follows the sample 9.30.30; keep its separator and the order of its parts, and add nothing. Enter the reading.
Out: 10.27.22
